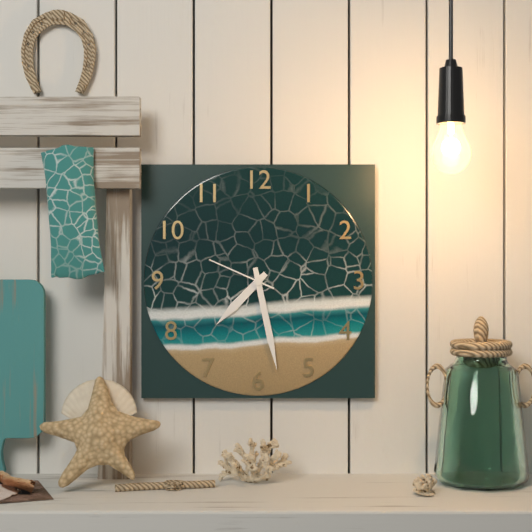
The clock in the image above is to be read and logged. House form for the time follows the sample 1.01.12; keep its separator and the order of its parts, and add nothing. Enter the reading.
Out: 7.28.49
